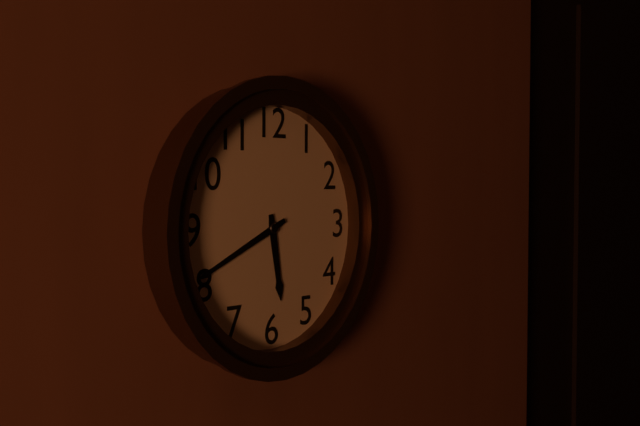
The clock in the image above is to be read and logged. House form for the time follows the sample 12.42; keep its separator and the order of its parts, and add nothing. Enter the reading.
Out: 5.41
